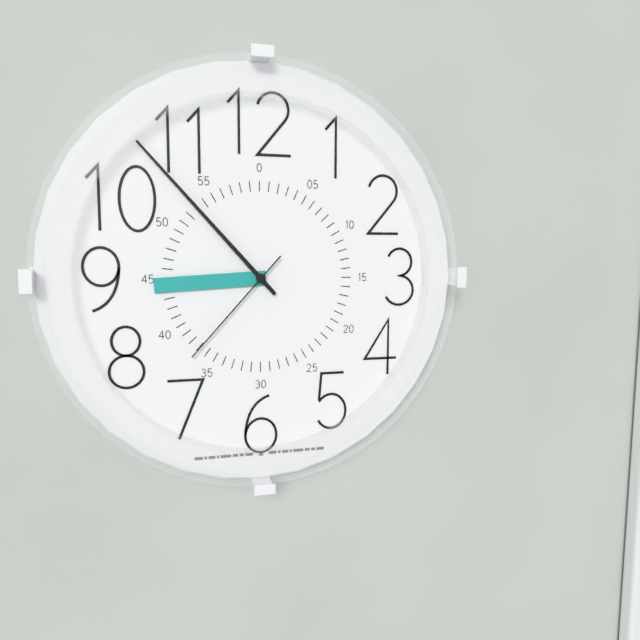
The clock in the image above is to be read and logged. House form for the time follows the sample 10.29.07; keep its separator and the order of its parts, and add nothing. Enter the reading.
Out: 8.53.37
